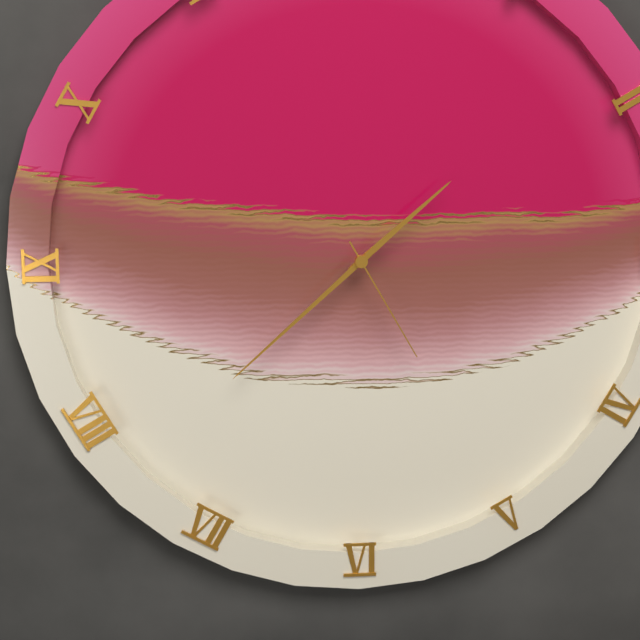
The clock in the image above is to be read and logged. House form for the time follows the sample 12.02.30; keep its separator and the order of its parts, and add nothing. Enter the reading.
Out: 1.38.25
